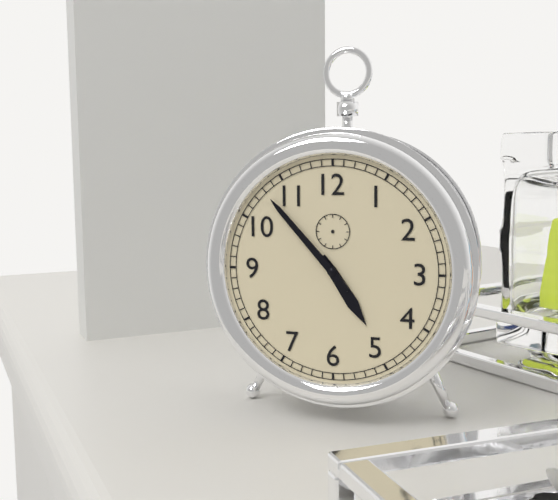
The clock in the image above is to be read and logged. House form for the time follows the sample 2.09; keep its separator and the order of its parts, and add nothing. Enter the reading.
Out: 4.53
